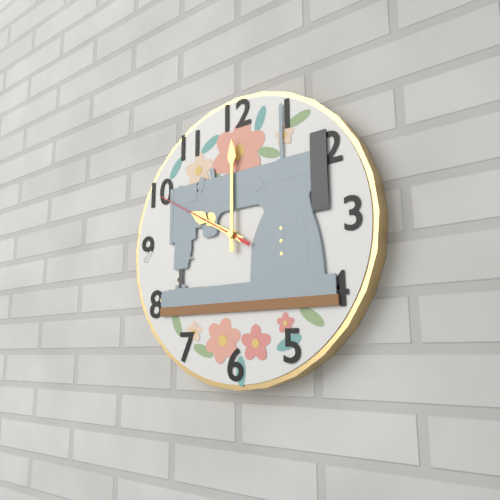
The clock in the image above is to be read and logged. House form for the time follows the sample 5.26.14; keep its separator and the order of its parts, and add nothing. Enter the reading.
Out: 10.00.50
